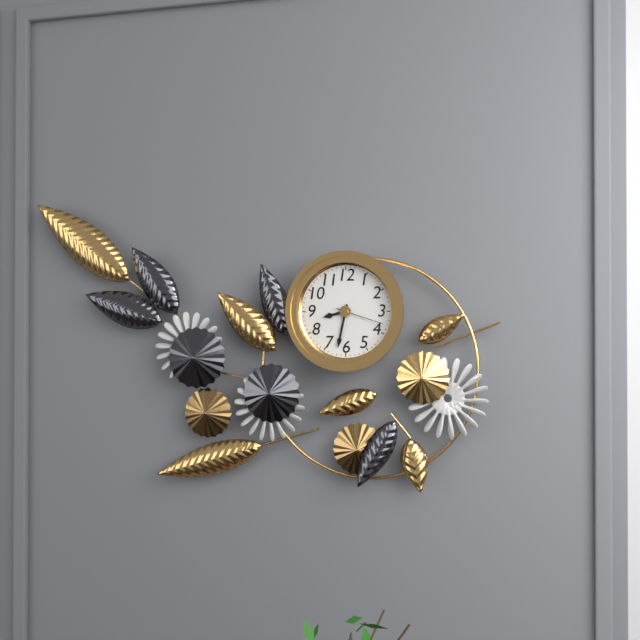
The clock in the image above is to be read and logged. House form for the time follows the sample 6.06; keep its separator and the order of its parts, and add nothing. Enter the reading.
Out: 8.32
